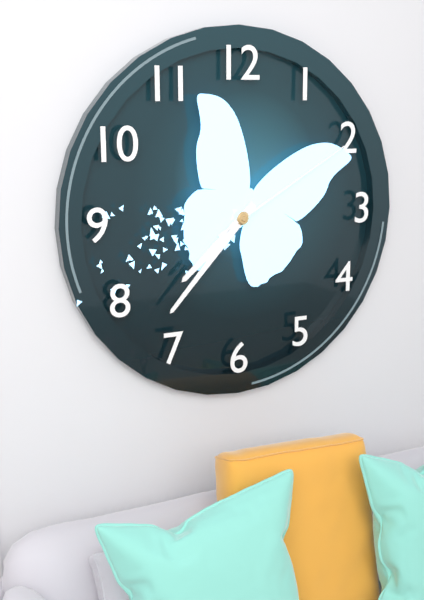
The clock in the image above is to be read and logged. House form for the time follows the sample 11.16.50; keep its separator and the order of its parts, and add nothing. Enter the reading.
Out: 7.37.10
